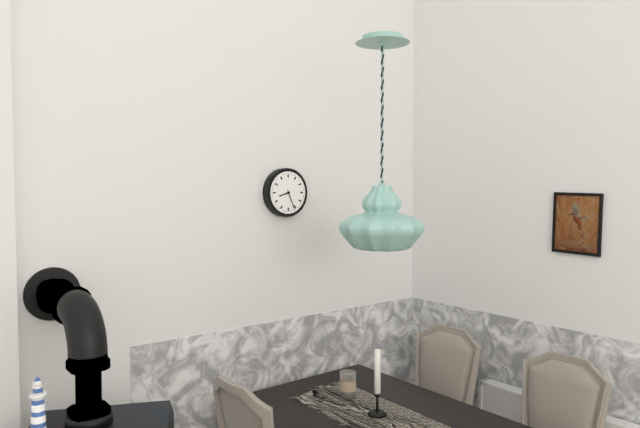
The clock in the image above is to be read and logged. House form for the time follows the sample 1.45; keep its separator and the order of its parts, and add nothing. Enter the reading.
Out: 8.26
